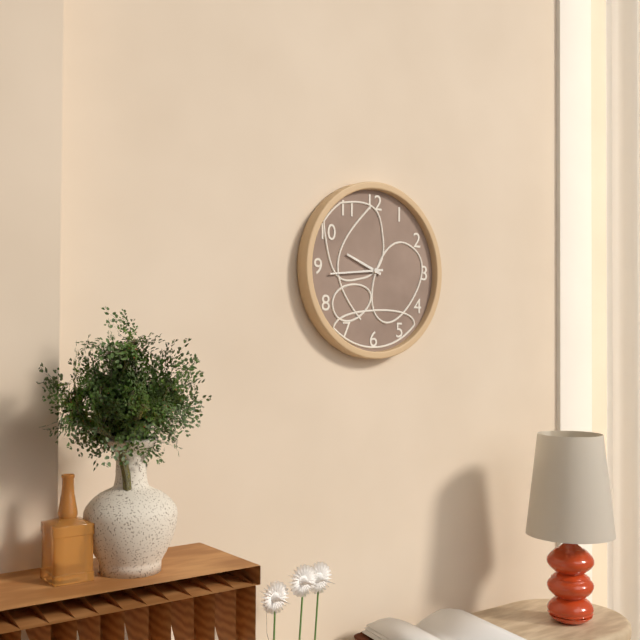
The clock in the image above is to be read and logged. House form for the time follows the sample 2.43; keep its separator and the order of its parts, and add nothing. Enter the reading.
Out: 9.44
